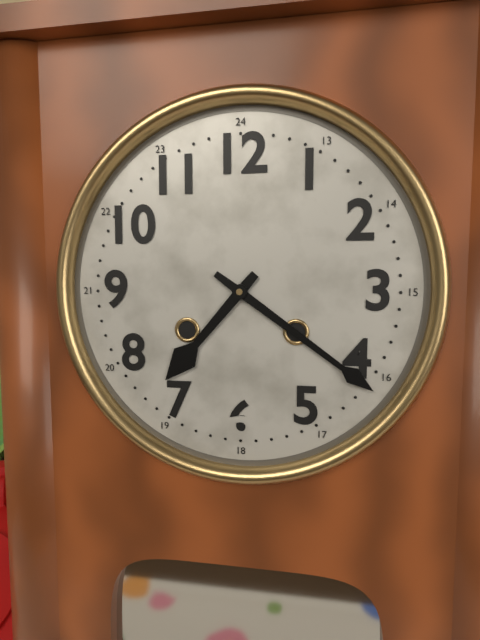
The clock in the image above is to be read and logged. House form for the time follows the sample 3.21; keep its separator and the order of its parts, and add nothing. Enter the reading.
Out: 7.21
